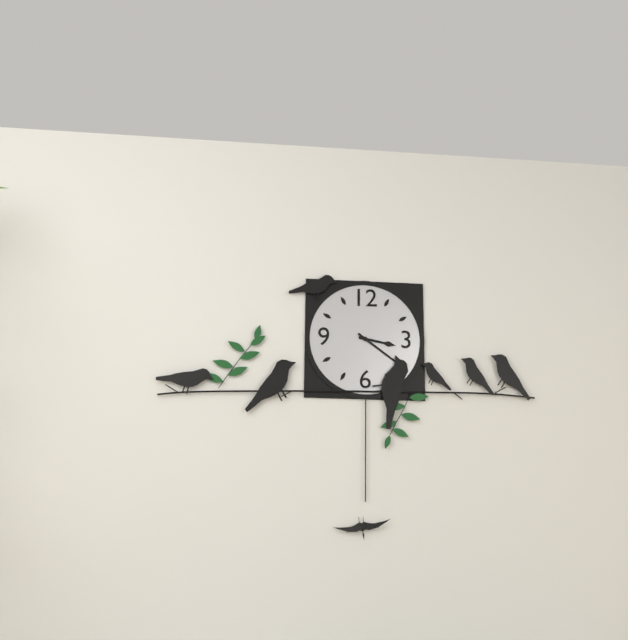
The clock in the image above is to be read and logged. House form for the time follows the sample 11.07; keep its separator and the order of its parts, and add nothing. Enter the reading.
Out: 3.21
